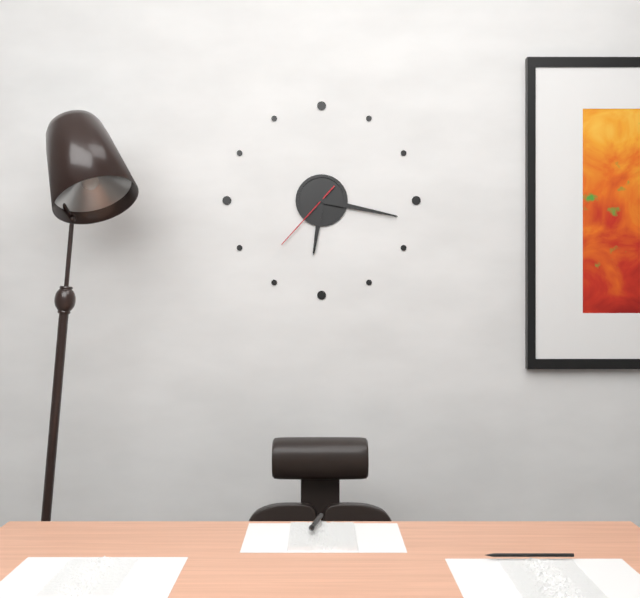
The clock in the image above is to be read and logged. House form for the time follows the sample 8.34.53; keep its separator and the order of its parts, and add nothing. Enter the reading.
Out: 6.17.37
